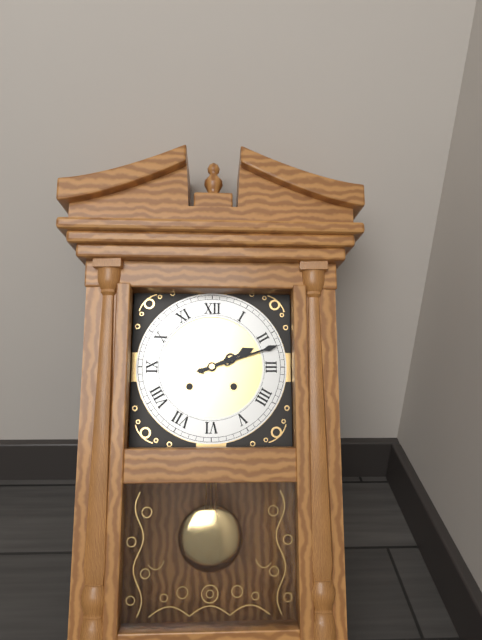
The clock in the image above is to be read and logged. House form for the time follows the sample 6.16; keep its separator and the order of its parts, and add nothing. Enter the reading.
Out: 2.12
